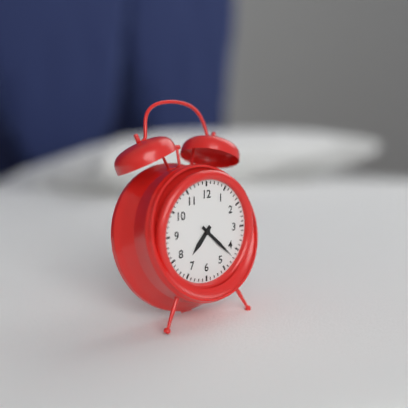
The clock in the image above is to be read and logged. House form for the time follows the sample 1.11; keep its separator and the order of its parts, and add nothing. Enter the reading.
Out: 7.22
